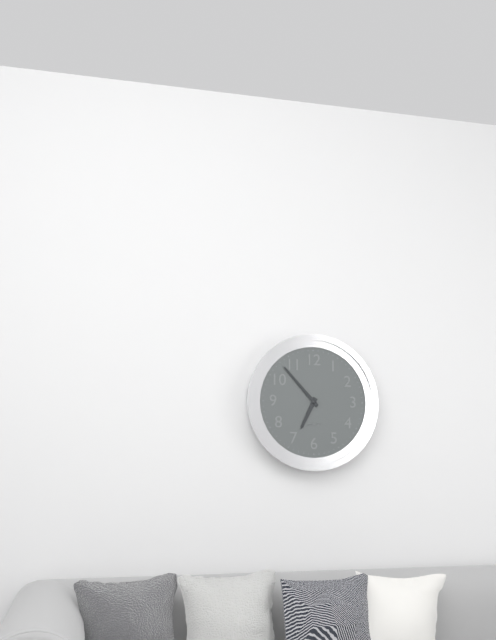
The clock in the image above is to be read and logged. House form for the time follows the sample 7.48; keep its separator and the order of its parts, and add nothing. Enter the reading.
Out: 6.53
